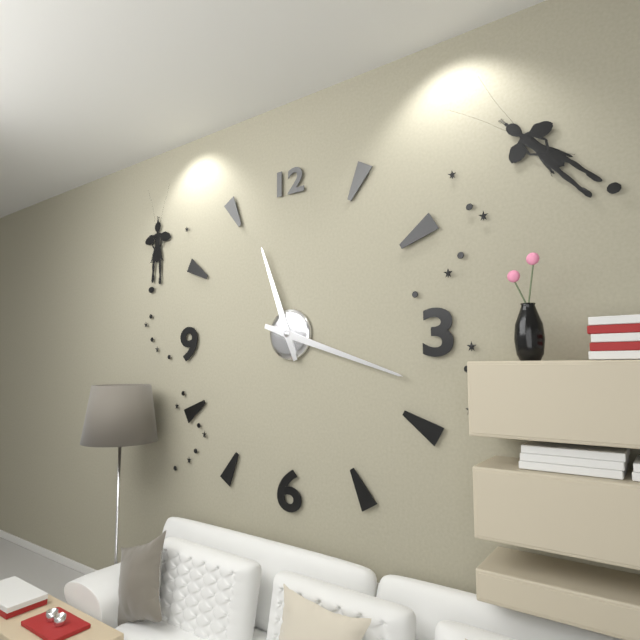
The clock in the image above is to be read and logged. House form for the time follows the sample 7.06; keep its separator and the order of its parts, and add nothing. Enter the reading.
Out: 11.18
